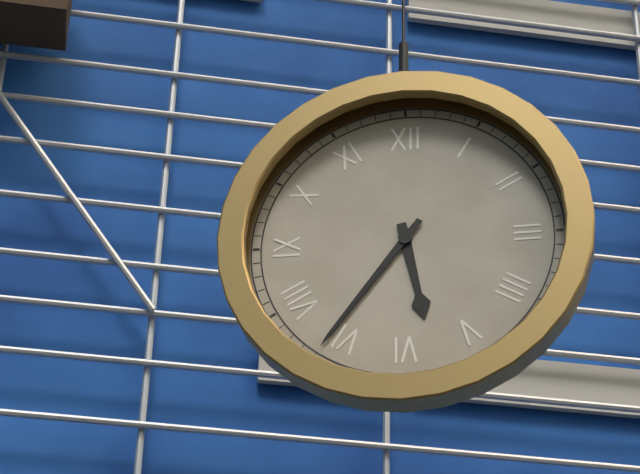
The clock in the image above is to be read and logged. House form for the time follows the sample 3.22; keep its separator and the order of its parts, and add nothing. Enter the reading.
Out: 5.36
